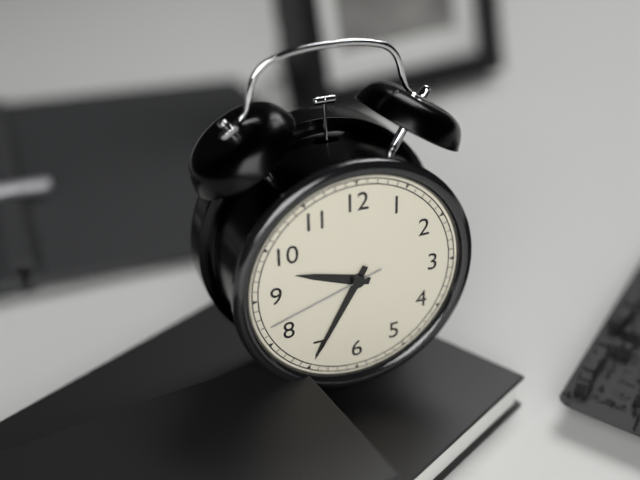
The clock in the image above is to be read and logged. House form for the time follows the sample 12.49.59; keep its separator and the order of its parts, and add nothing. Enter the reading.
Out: 9.35.42
